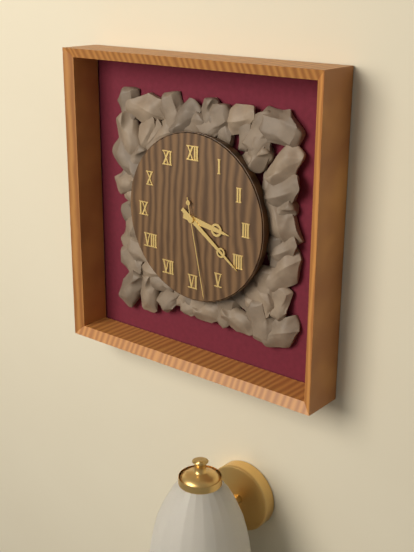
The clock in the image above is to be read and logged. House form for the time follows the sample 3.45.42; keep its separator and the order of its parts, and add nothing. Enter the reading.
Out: 3.21.28
